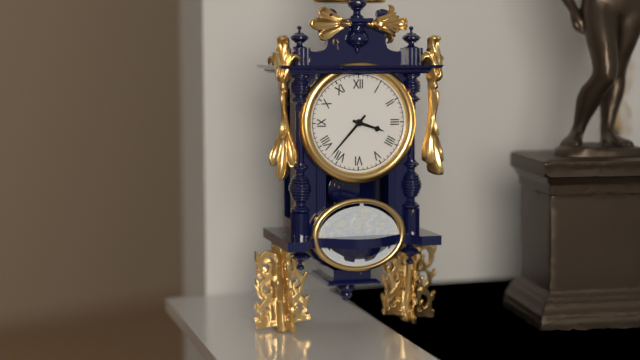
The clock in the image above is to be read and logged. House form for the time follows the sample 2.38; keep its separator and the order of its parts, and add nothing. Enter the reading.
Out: 3.37
